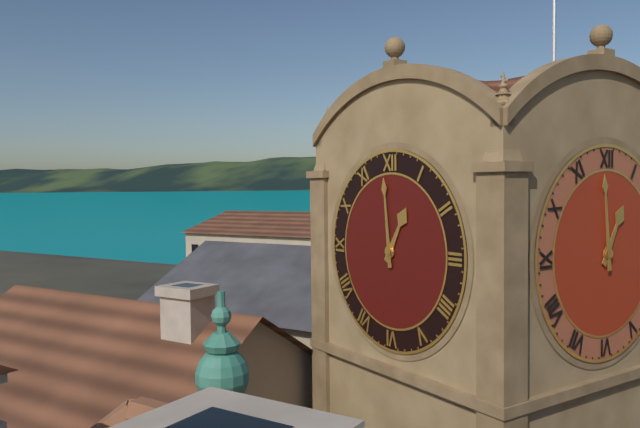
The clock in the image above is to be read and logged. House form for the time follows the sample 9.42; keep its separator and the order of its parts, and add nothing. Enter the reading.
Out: 12.59
